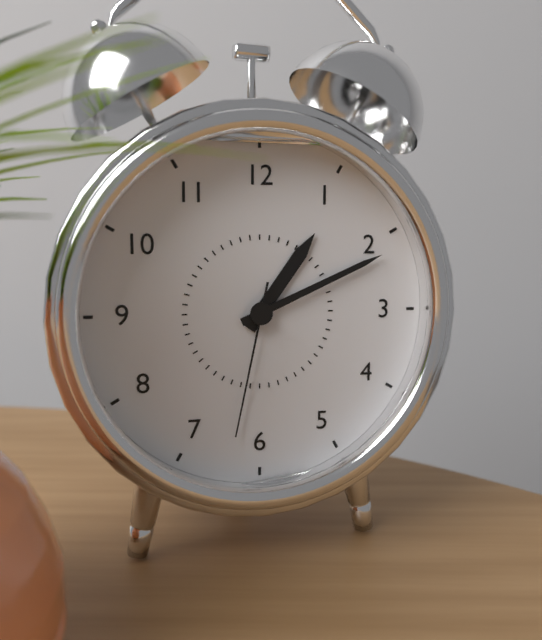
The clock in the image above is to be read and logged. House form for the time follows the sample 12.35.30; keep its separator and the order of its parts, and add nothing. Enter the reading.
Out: 1.11.32
